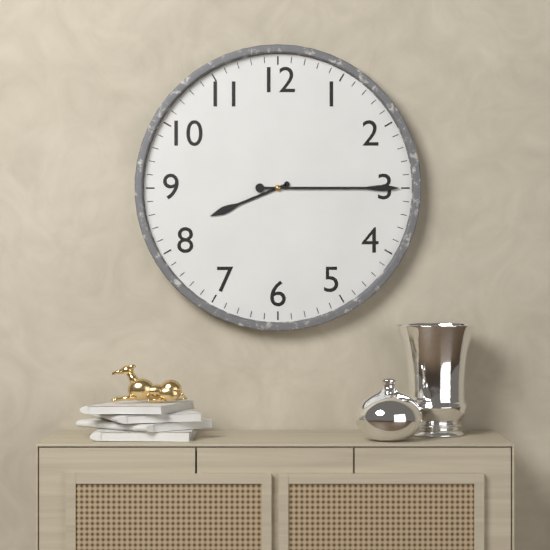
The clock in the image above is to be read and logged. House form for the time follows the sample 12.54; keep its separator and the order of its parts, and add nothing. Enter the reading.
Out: 8.15
